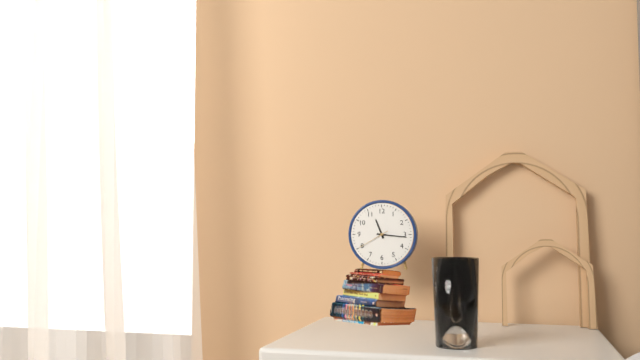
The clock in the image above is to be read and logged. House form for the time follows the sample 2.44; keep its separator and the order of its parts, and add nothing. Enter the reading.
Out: 11.16
